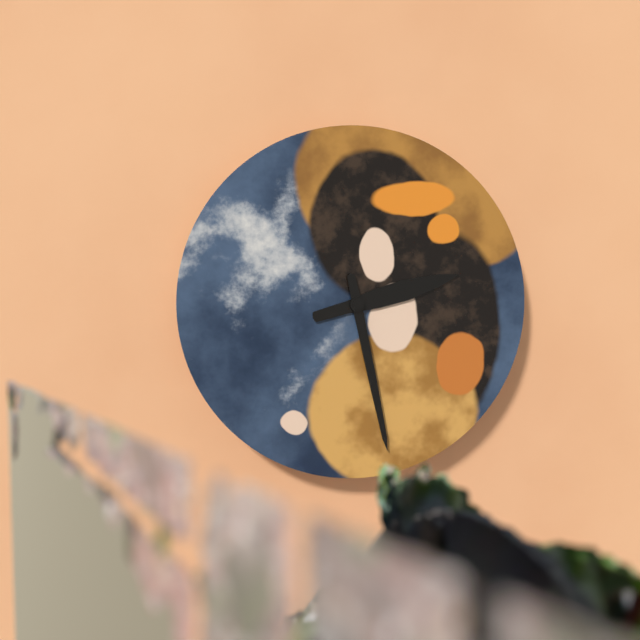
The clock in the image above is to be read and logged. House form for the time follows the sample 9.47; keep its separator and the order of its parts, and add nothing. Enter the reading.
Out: 2.28
